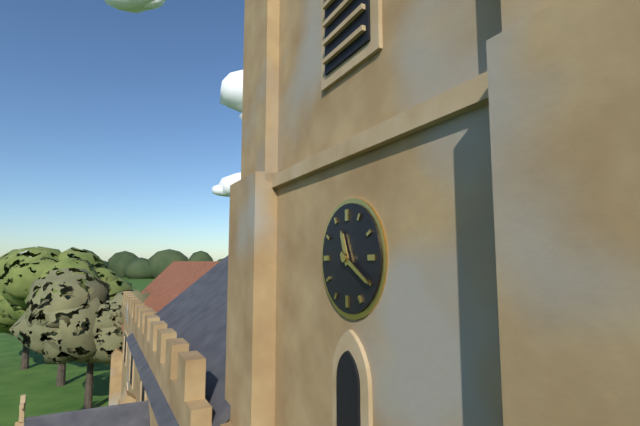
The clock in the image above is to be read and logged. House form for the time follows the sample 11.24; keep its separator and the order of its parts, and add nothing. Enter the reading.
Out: 11.20
